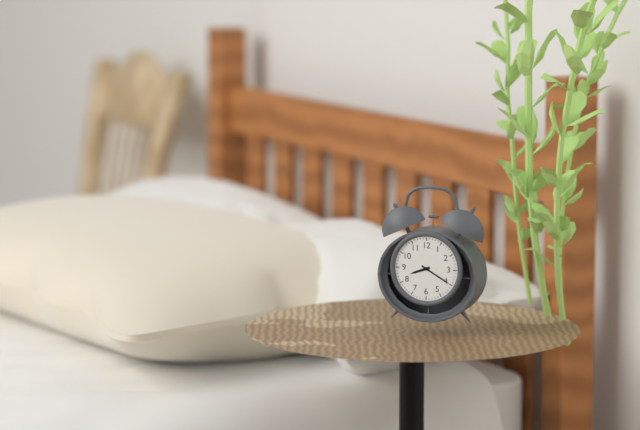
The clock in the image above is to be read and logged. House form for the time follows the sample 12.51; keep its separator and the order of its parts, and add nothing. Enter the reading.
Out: 8.20
